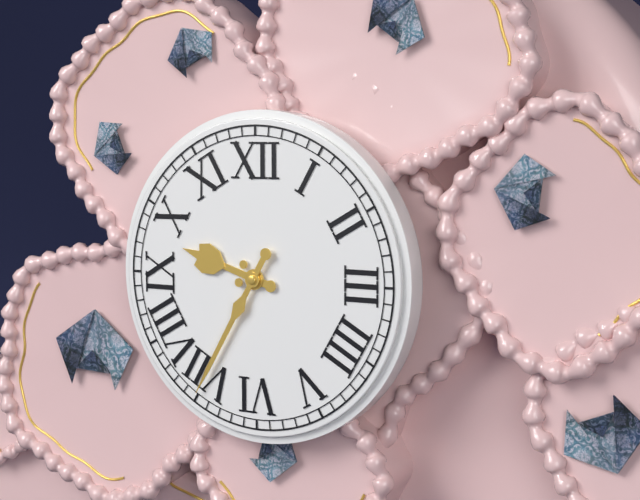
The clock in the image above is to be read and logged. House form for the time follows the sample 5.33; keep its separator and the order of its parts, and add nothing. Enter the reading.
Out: 9.35
